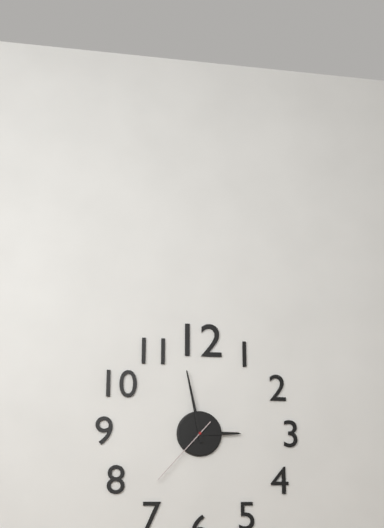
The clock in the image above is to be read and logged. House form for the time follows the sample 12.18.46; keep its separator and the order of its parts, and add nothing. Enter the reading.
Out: 2.58.37
